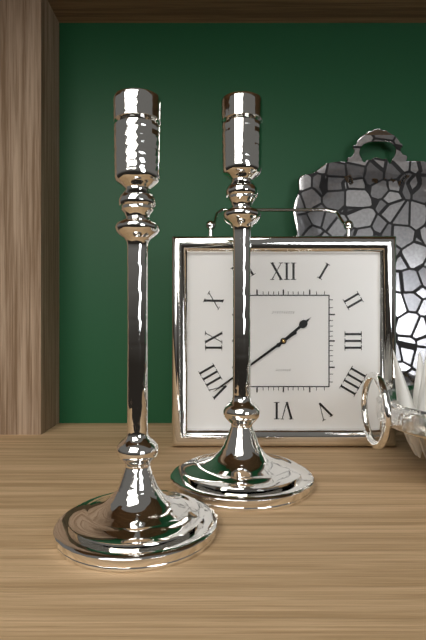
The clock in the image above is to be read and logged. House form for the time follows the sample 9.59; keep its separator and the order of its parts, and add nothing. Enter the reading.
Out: 1.39
